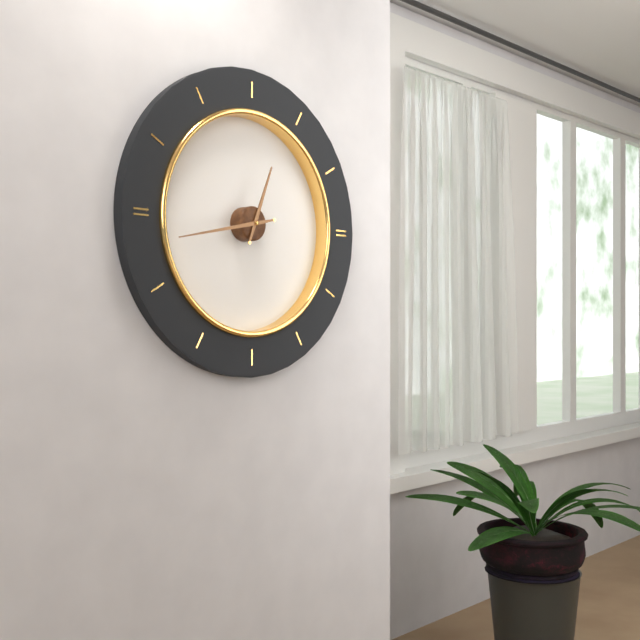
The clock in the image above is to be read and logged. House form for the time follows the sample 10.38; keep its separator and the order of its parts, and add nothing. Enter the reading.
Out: 12.43
